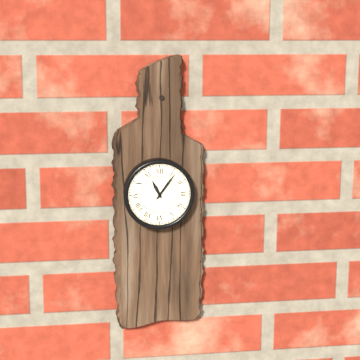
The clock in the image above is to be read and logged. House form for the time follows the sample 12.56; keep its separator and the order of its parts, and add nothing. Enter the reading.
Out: 11.06
